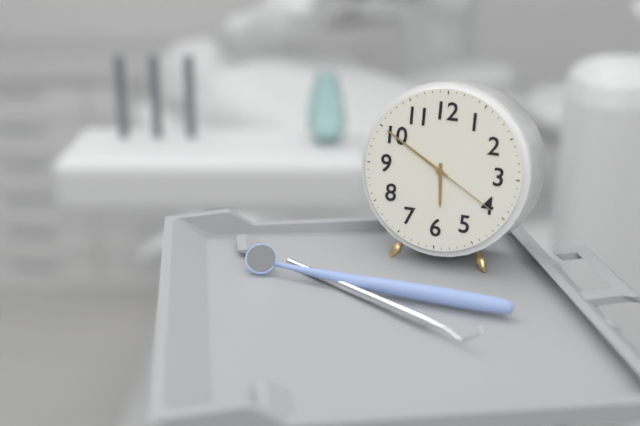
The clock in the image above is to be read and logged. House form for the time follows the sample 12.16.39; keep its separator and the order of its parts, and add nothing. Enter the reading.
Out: 5.50.20
